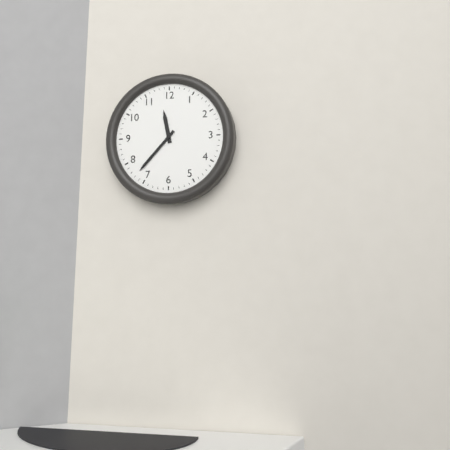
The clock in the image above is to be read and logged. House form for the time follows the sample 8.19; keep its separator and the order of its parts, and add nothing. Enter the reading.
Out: 11.37
